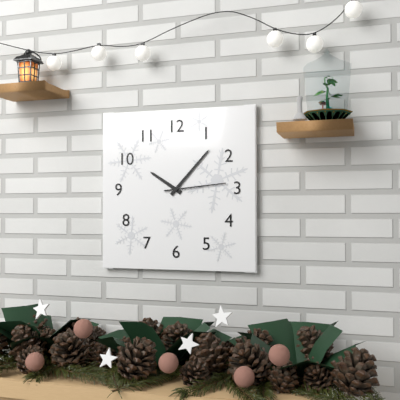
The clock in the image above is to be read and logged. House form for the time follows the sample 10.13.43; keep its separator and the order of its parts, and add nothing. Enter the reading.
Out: 10.07.14
